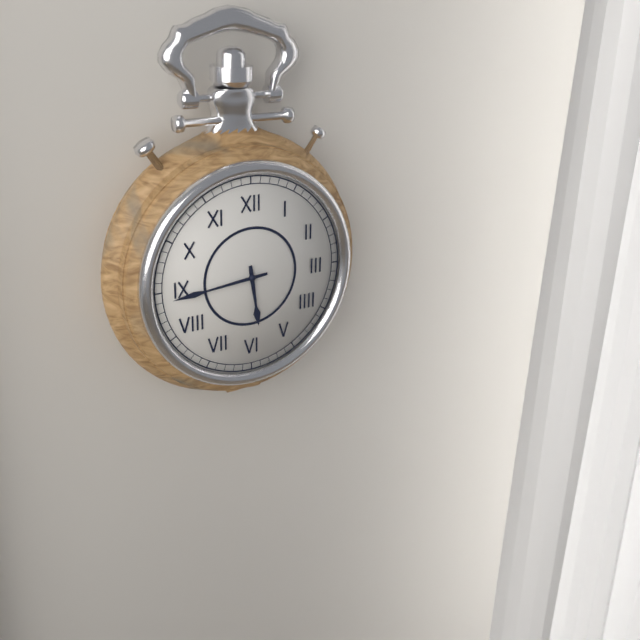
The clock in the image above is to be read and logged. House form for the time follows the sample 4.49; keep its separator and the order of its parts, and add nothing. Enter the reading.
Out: 5.44
